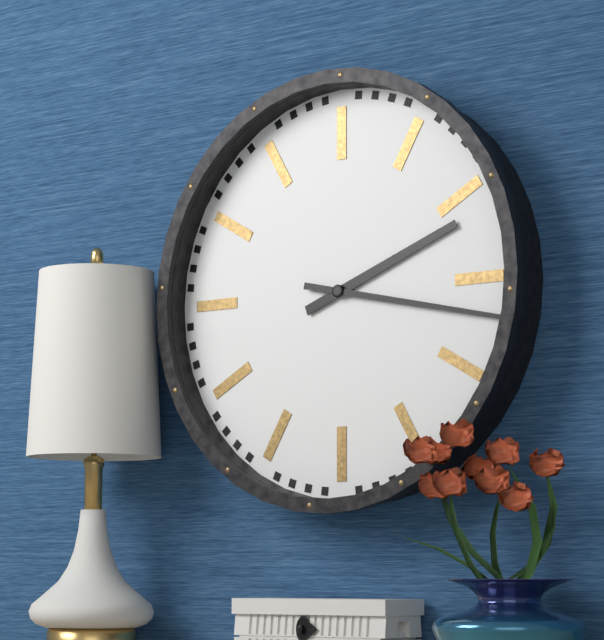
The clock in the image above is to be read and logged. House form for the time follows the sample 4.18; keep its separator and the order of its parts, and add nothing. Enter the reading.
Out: 2.17
